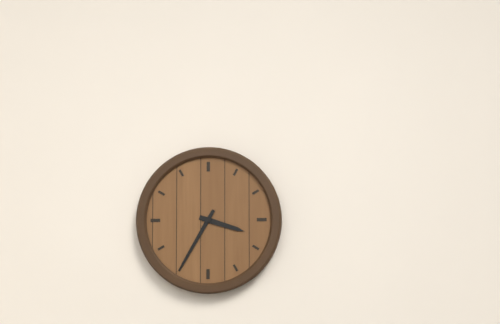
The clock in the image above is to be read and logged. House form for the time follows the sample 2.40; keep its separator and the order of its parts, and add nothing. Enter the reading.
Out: 3.35
